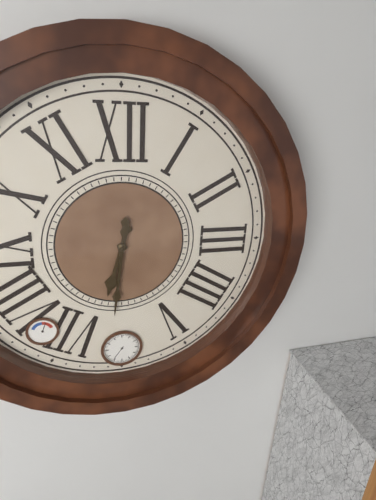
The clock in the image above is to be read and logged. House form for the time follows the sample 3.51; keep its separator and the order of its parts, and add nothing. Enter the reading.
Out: 6.31
